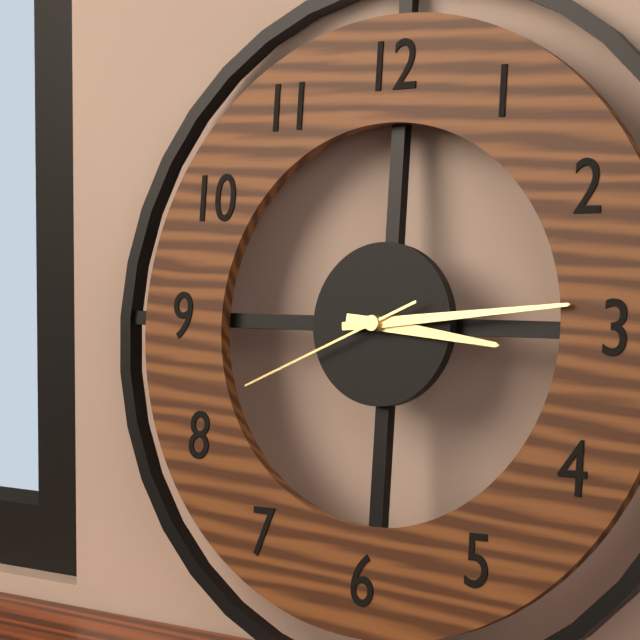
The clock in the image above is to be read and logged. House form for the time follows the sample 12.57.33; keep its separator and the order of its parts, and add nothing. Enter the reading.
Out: 3.14.41
